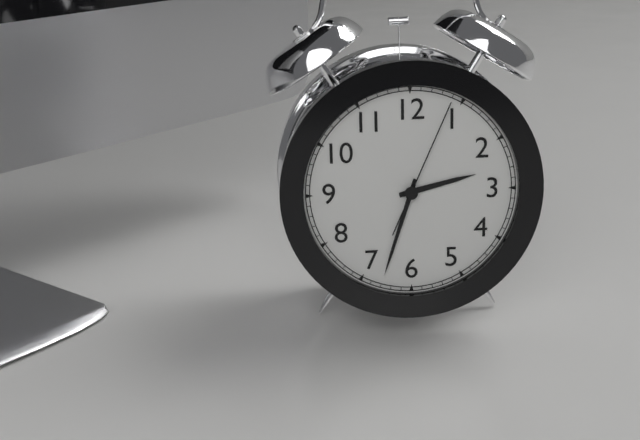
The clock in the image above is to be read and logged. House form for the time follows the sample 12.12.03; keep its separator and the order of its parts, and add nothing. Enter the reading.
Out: 2.33.04
